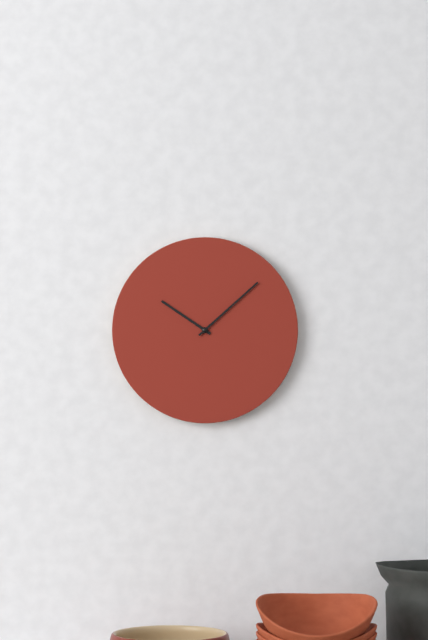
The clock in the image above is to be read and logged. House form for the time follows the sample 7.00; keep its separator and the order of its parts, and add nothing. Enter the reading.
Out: 10.08
